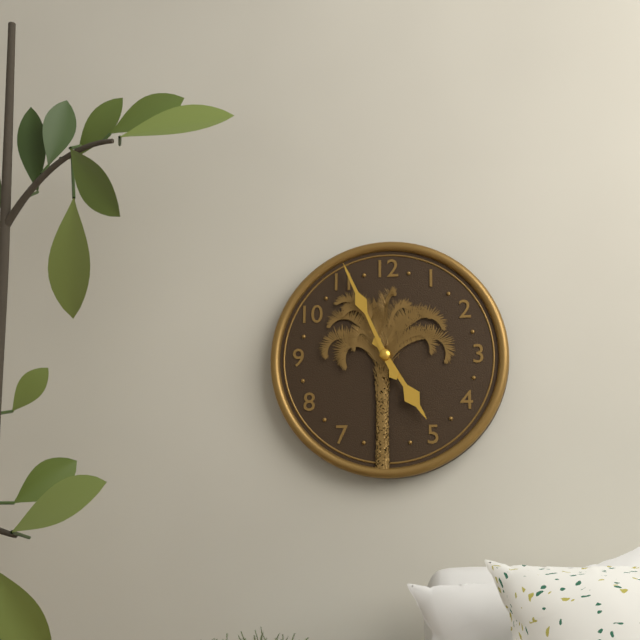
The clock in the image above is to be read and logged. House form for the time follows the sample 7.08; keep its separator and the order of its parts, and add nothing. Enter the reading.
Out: 4.56
